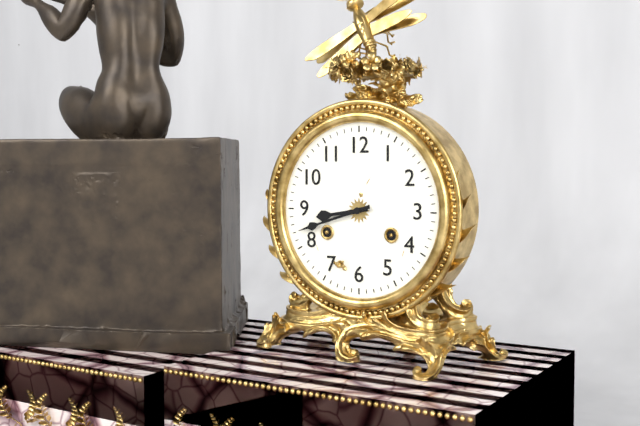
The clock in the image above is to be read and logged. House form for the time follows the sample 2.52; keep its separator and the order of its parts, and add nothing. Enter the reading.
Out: 8.42
